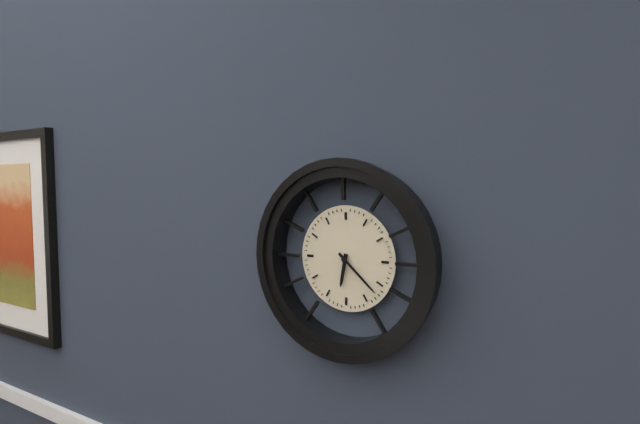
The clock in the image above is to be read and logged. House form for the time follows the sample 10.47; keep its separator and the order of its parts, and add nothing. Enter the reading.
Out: 6.22
